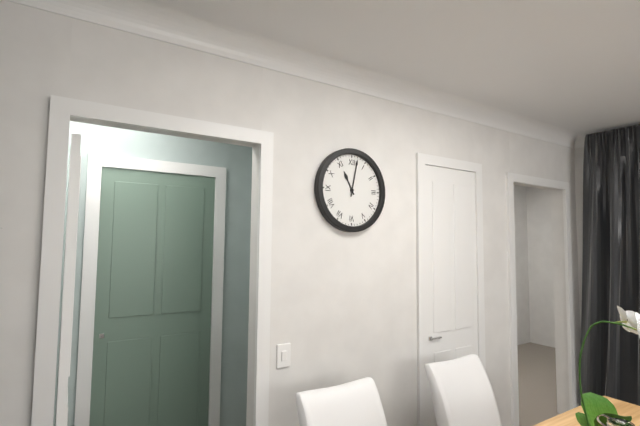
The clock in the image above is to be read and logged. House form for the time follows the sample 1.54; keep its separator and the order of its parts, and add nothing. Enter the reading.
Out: 11.02
